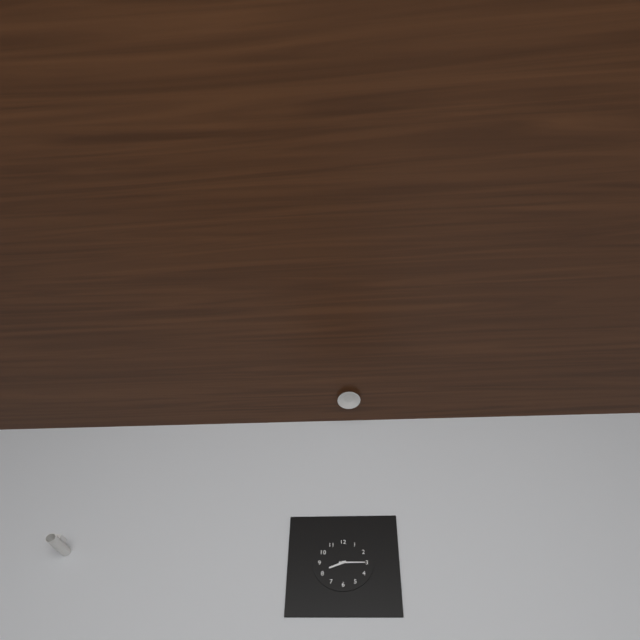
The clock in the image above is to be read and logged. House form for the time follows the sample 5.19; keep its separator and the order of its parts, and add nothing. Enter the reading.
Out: 8.15
